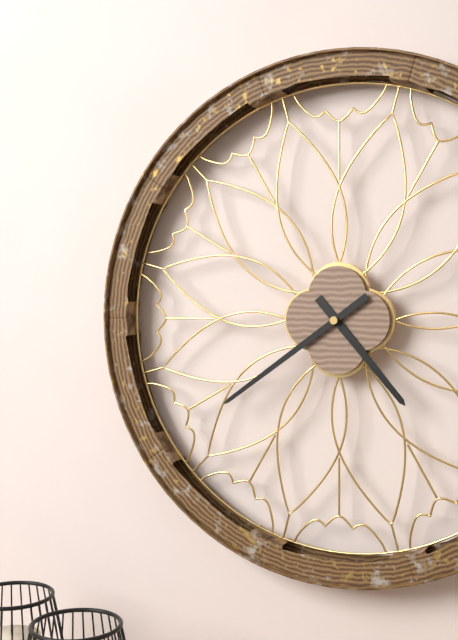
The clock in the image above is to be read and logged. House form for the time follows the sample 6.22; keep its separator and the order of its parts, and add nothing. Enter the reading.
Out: 4.39
